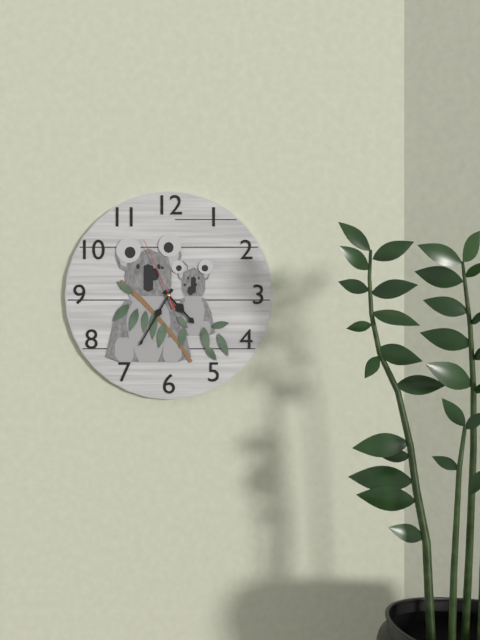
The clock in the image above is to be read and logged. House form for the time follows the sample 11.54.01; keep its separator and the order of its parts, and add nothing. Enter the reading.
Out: 4.35.56
